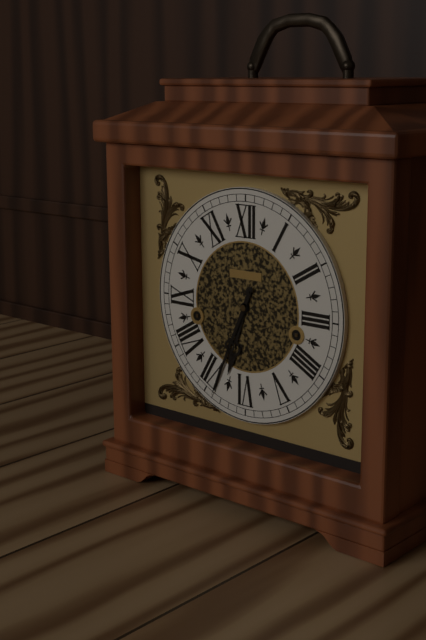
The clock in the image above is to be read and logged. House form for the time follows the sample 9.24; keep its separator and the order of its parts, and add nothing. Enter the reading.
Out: 6.34
